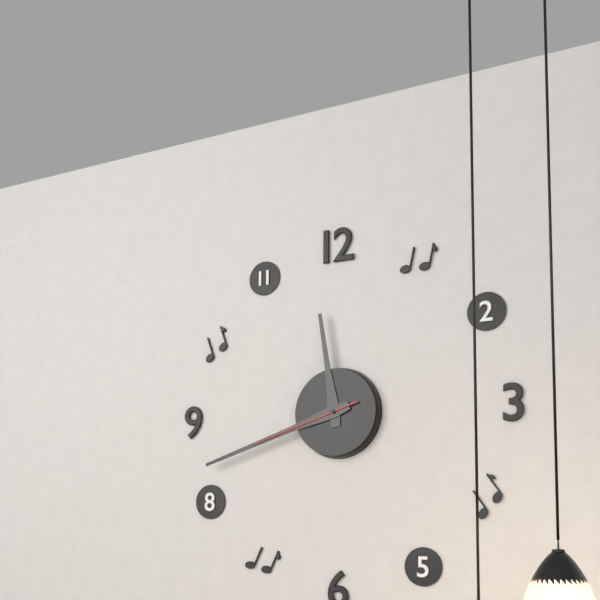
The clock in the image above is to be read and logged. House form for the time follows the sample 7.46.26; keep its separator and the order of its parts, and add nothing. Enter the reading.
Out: 11.42.42
